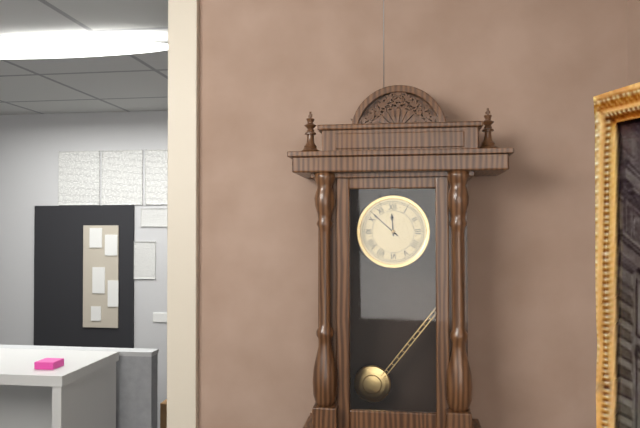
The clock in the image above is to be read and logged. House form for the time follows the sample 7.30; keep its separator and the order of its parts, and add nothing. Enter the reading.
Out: 11.52
